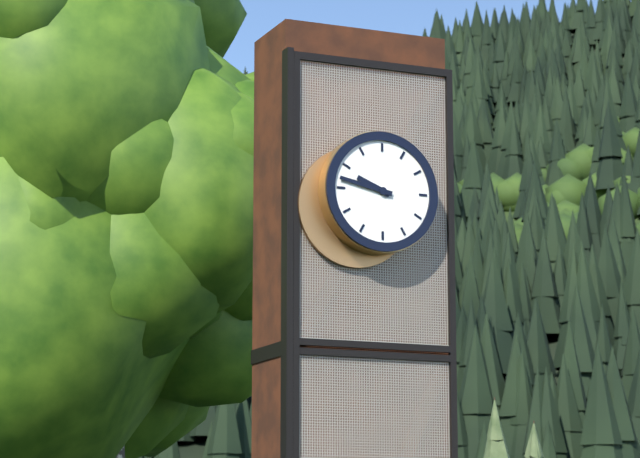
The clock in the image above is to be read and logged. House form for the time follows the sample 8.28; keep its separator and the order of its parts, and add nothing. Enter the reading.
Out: 9.47
